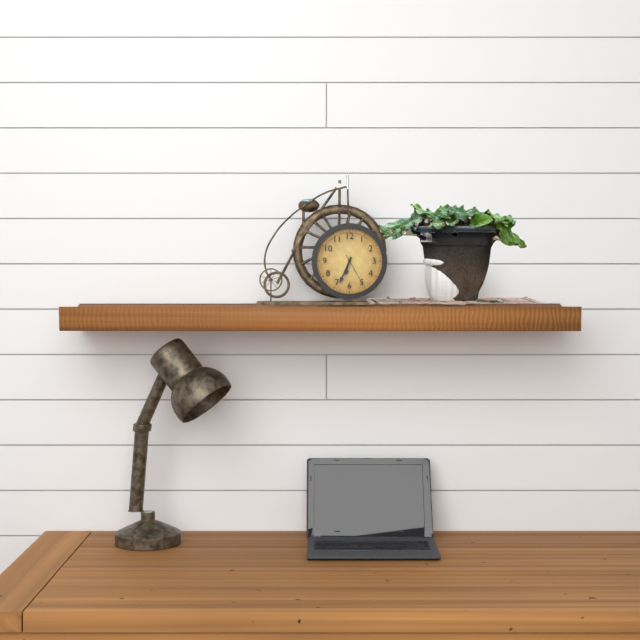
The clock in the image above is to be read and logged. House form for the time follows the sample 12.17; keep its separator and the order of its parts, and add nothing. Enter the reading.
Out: 6.34
